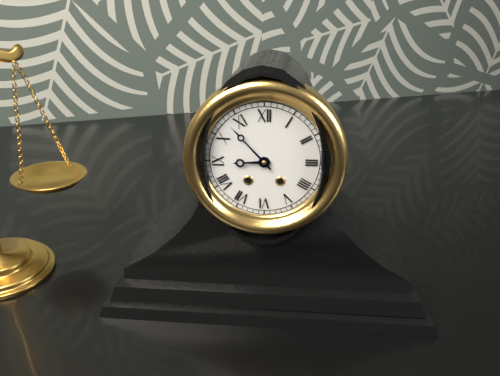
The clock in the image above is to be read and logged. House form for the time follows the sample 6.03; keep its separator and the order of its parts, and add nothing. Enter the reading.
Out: 8.53
